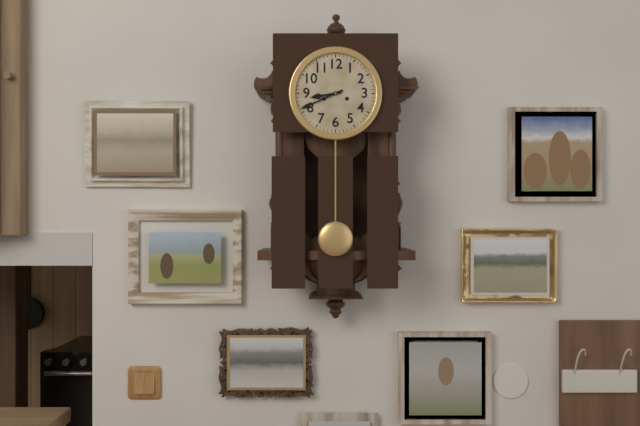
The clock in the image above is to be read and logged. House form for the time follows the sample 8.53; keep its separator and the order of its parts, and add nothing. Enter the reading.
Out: 8.41
